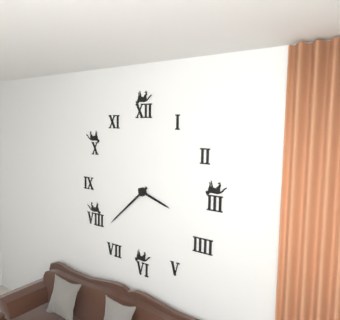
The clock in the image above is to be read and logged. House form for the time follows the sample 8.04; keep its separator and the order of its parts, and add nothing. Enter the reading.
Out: 3.38
